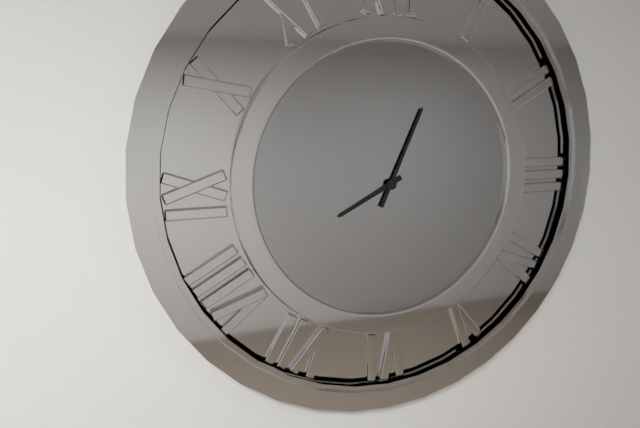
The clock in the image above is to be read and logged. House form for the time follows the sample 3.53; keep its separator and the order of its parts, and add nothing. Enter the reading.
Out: 8.04
